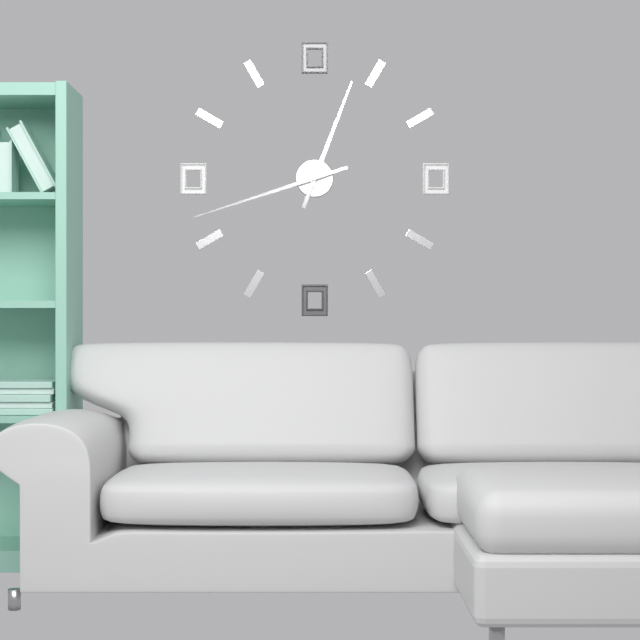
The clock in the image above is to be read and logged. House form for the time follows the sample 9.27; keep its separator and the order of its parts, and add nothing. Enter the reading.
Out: 12.42
